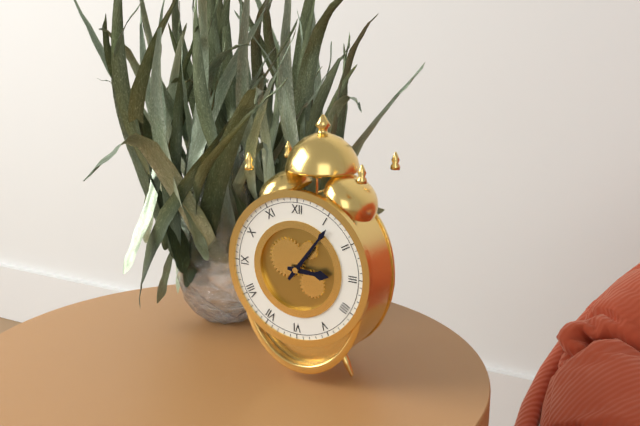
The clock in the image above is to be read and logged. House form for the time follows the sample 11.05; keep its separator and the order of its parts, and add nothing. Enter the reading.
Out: 3.06
